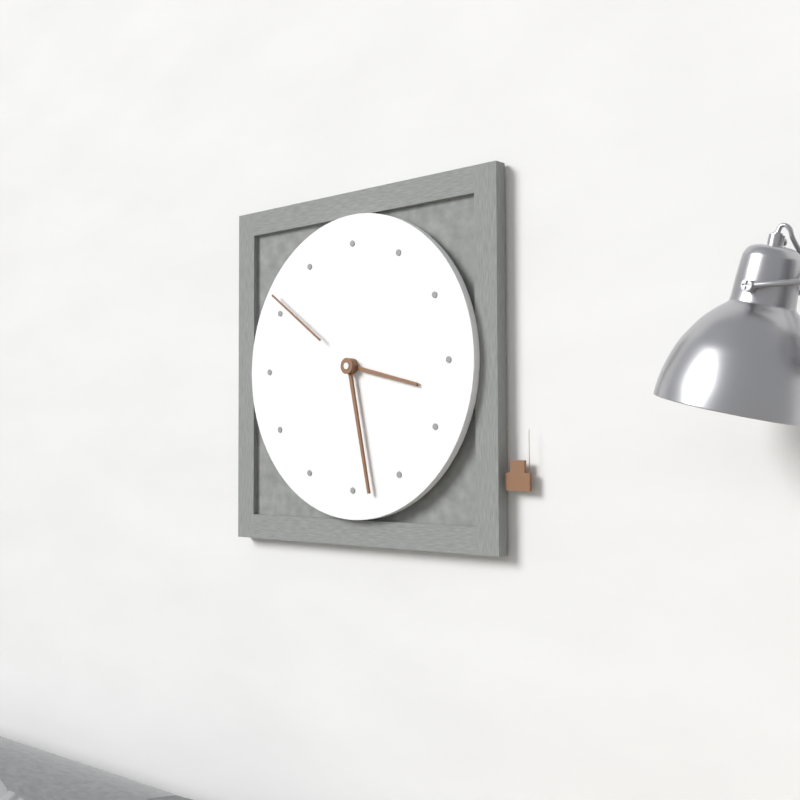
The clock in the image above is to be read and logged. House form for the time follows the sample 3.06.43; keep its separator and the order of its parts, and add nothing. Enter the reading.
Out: 3.28.51
